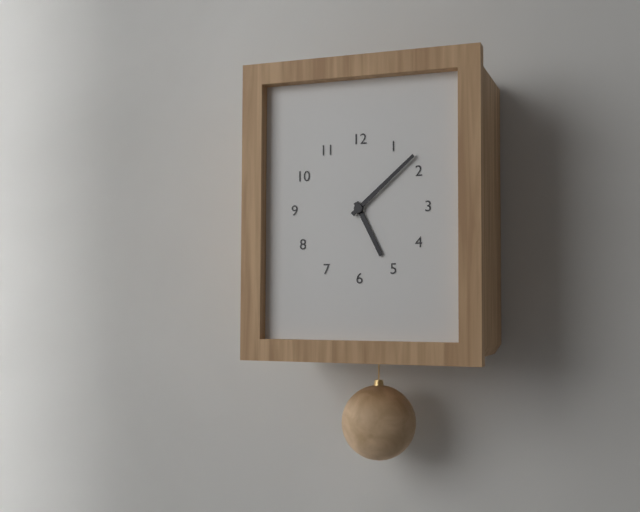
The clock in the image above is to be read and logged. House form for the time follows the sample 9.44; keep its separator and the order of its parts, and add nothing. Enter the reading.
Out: 5.08
